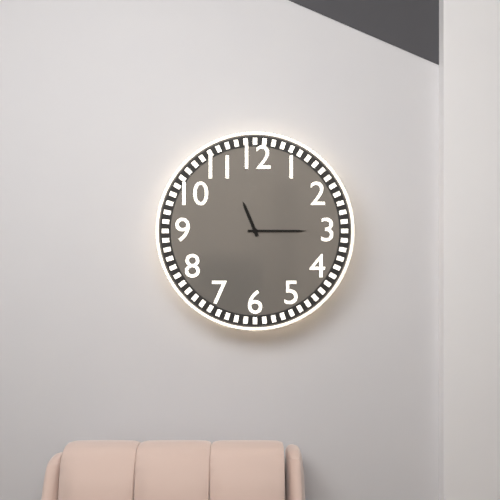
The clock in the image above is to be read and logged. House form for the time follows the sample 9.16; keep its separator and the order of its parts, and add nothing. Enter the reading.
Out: 11.15
